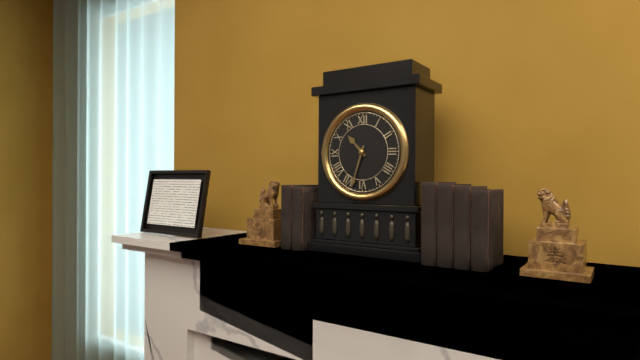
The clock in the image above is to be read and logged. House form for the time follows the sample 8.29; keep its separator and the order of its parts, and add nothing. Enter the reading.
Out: 10.33
